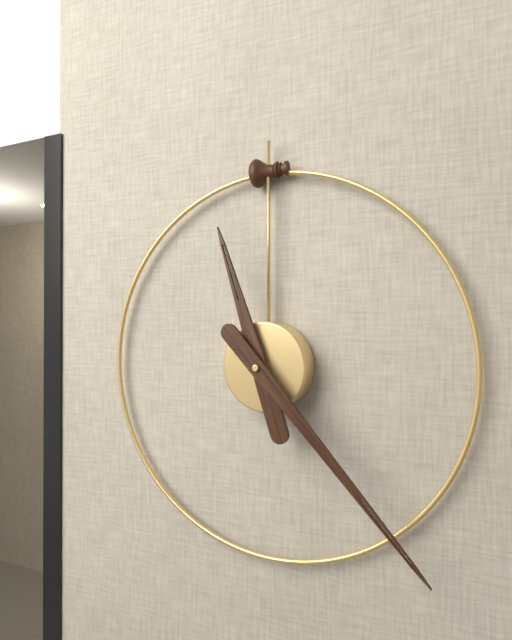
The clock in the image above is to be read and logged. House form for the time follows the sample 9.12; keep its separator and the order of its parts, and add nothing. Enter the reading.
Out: 11.23
